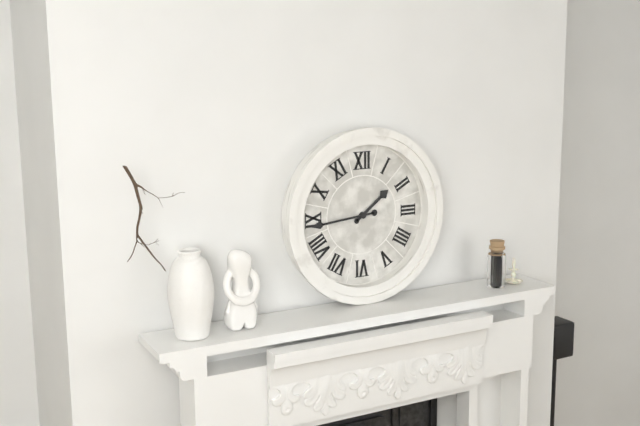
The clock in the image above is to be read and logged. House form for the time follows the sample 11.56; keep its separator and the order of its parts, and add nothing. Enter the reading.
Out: 1.44
